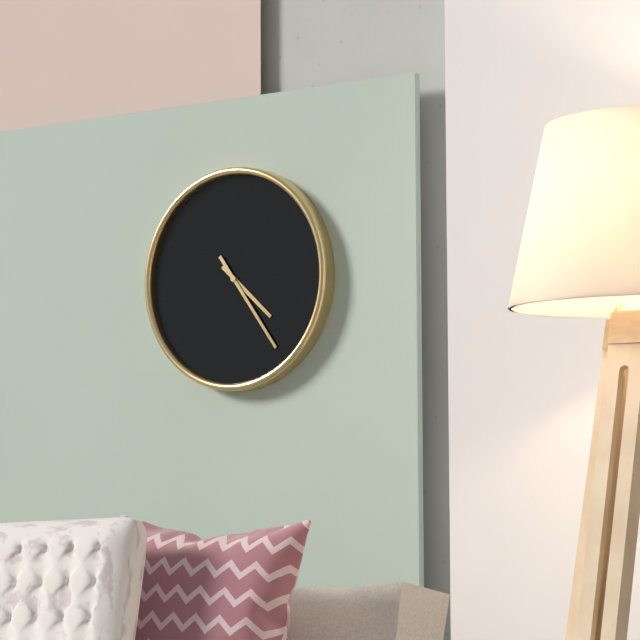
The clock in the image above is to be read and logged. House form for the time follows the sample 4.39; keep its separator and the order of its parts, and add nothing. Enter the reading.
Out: 4.24
